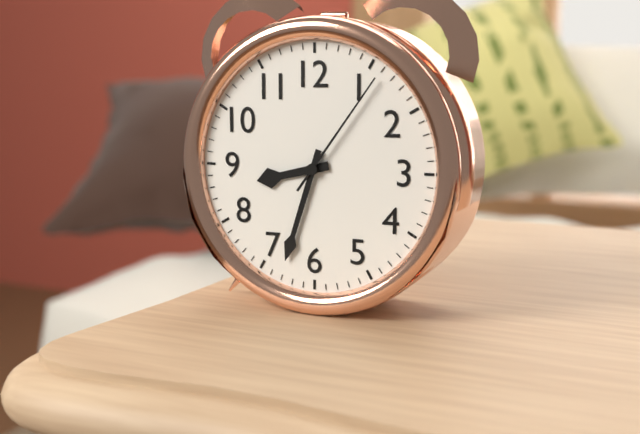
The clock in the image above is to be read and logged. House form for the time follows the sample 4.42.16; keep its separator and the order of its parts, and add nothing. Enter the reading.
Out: 8.33.06
